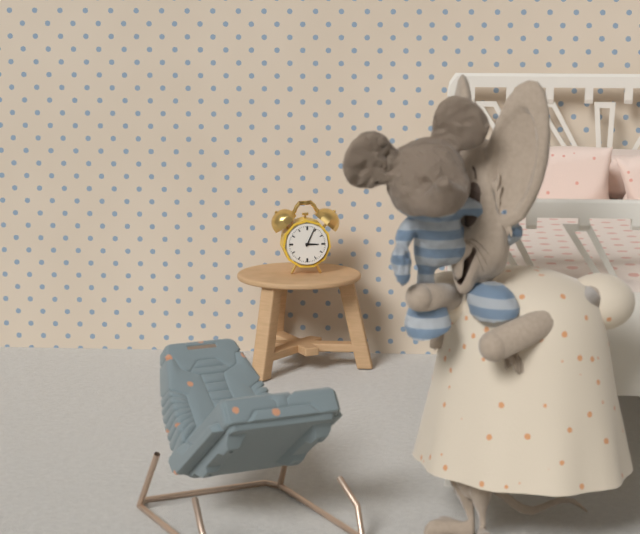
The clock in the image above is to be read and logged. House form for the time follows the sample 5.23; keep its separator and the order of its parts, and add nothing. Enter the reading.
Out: 3.04
